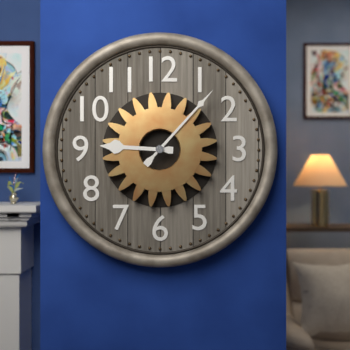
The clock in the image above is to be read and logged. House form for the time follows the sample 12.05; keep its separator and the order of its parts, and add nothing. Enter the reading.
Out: 9.07
